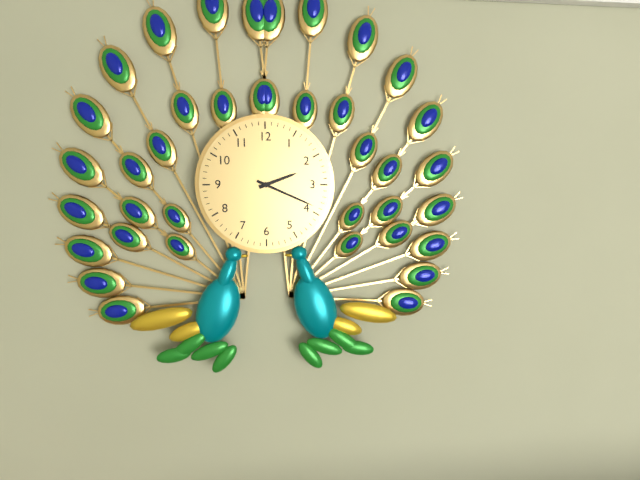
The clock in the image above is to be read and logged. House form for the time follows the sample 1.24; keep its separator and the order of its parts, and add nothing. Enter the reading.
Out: 2.19
